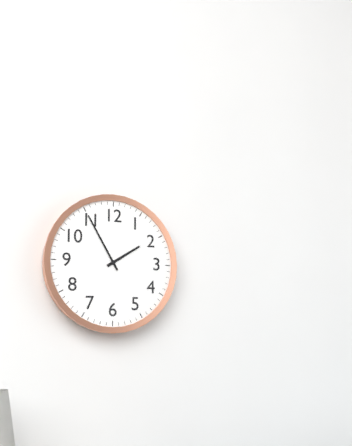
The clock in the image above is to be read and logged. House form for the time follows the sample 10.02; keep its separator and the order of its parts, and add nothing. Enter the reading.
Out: 1.55
